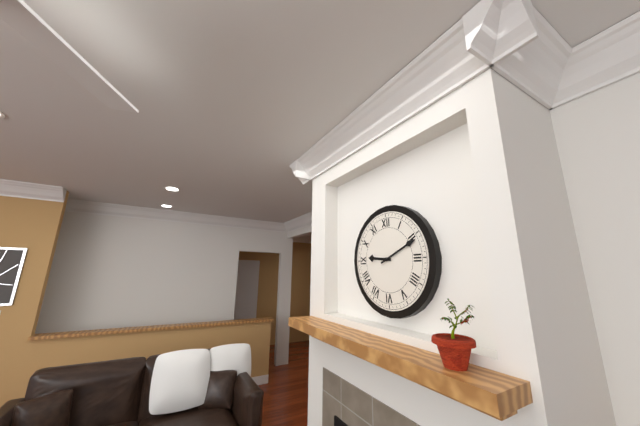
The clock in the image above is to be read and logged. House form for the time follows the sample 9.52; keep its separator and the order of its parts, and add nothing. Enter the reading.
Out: 9.11
